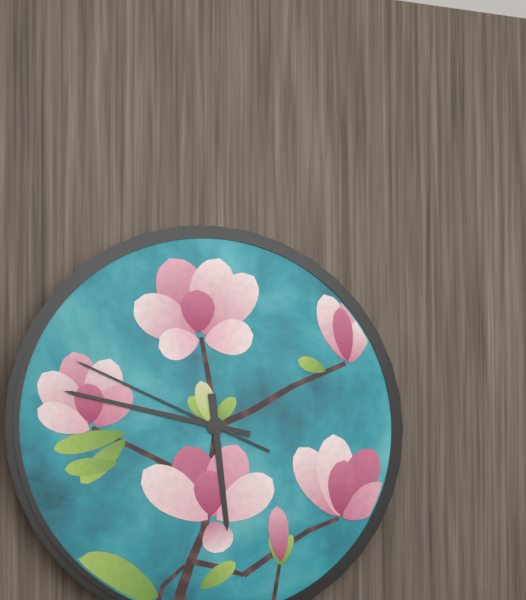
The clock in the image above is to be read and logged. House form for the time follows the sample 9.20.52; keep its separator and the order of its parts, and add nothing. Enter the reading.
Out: 5.47.49
